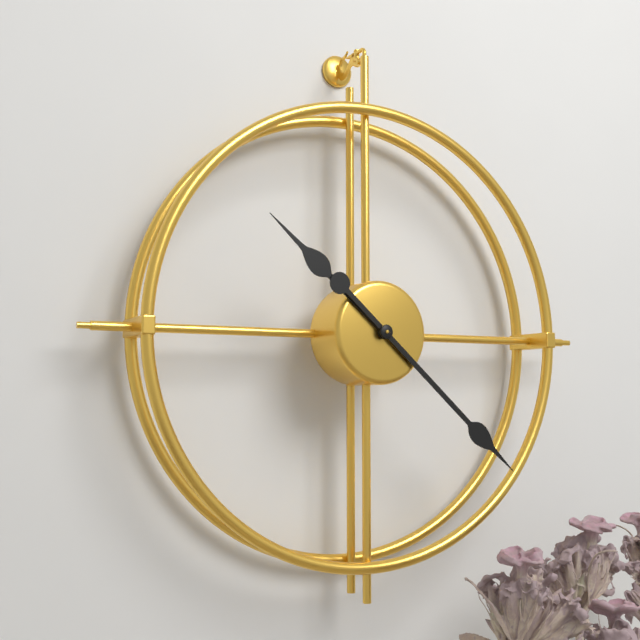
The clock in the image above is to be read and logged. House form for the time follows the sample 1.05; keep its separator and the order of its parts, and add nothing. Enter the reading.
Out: 10.22
